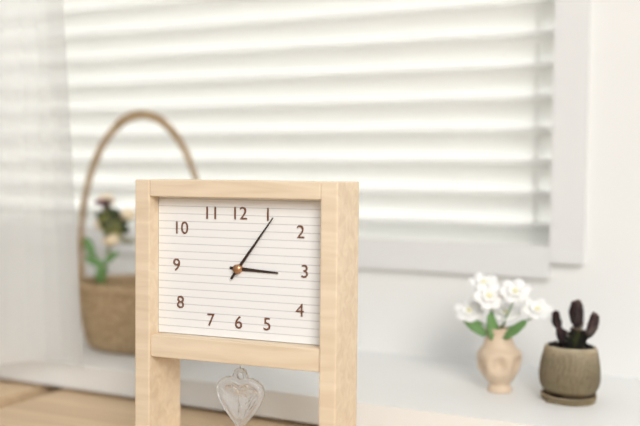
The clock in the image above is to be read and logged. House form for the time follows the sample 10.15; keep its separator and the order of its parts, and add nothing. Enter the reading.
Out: 3.06
